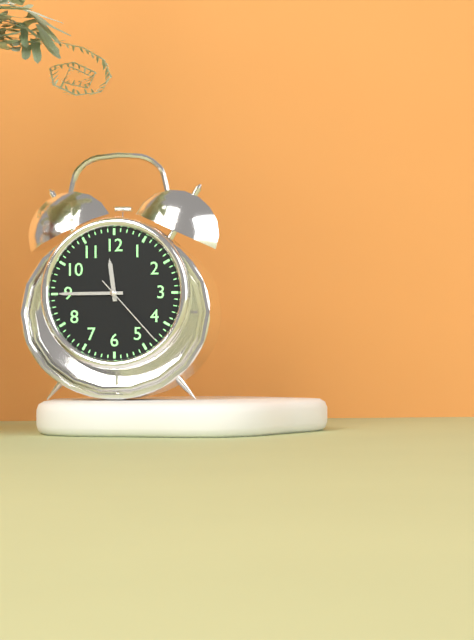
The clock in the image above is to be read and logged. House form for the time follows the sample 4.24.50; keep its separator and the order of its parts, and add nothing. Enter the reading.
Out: 11.45.23
